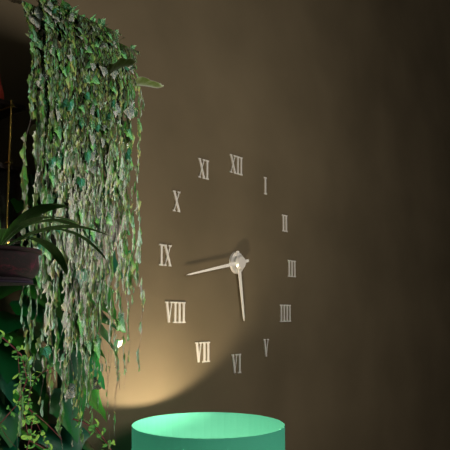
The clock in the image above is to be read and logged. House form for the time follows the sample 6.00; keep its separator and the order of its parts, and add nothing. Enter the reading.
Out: 5.43
